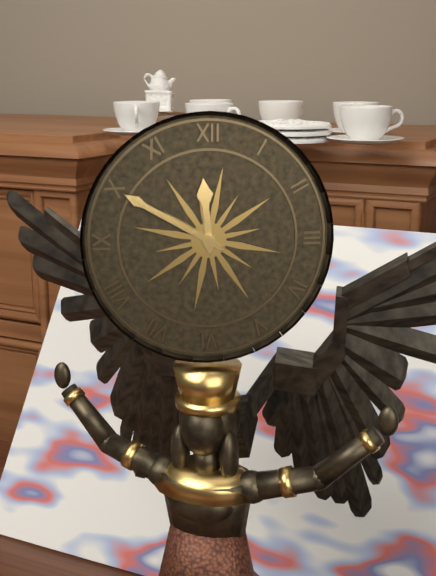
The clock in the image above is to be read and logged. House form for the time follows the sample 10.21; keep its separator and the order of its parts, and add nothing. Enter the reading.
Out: 11.50
